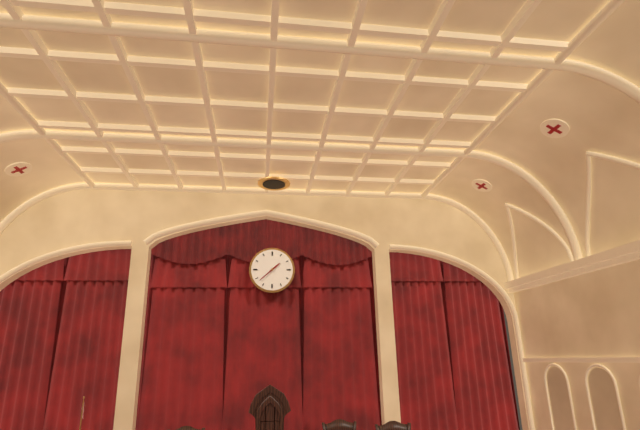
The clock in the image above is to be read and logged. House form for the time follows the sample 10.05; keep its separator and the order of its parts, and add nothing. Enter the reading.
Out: 1.38
